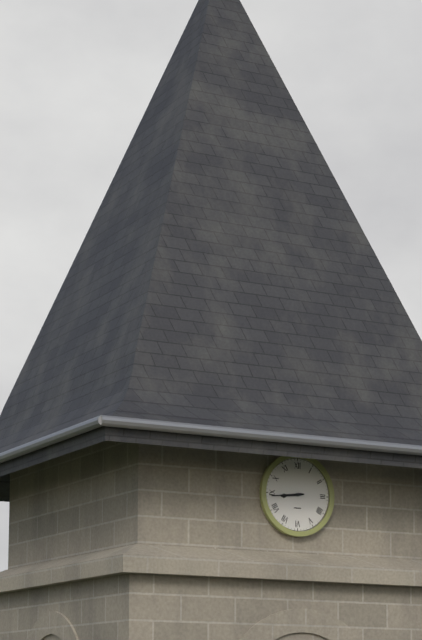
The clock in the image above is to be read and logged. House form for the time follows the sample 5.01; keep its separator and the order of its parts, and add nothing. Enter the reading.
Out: 8.44
